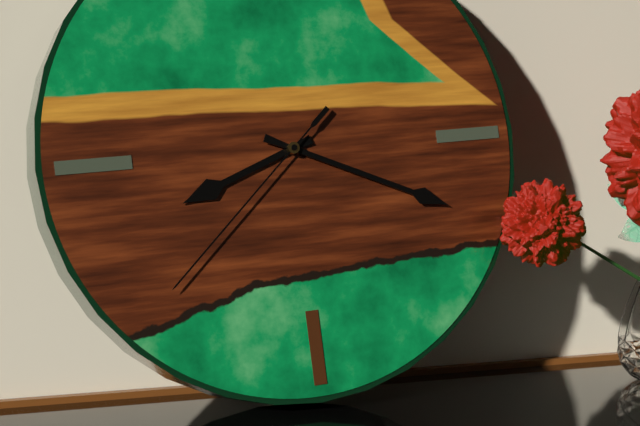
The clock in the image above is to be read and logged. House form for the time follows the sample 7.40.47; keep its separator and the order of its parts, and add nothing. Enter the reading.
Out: 8.19.38
